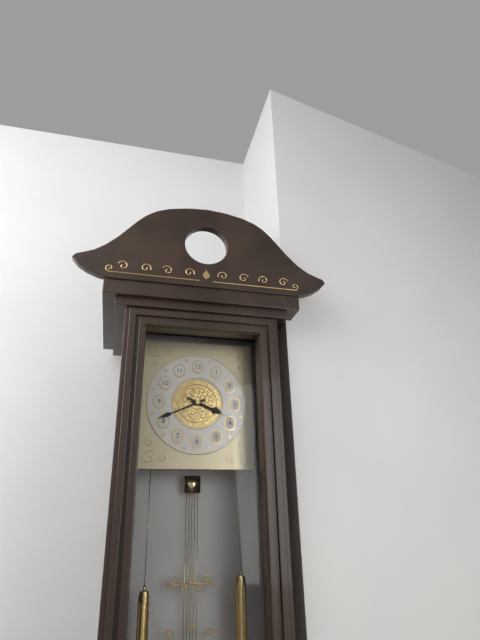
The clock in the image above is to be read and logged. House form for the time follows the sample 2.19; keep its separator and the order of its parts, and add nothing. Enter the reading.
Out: 3.41
